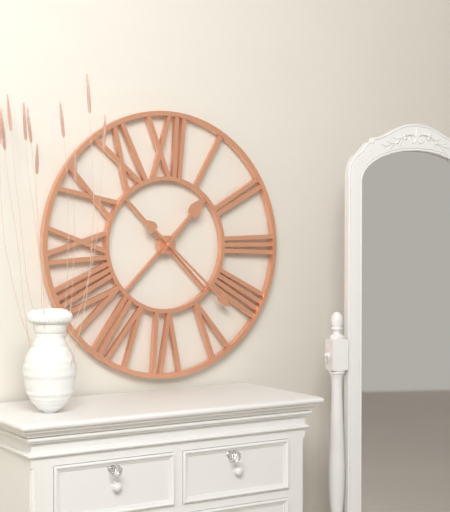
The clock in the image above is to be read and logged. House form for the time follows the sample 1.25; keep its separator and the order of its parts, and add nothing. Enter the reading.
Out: 1.22
